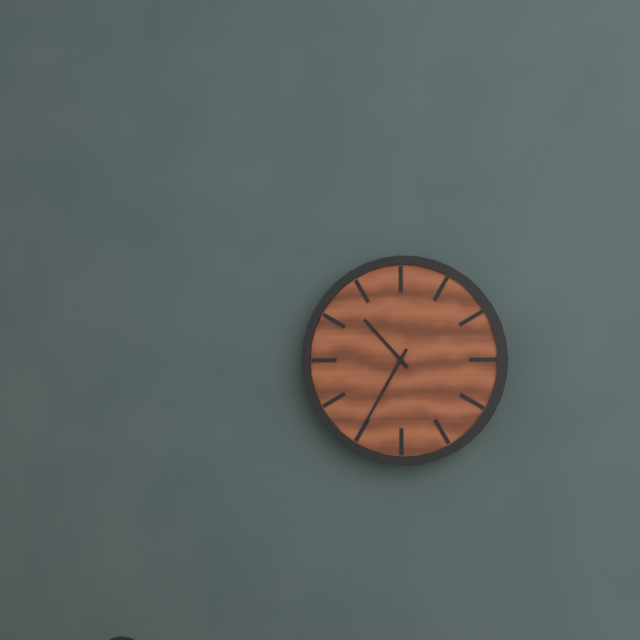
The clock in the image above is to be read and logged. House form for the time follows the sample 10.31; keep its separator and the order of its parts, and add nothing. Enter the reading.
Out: 10.35
